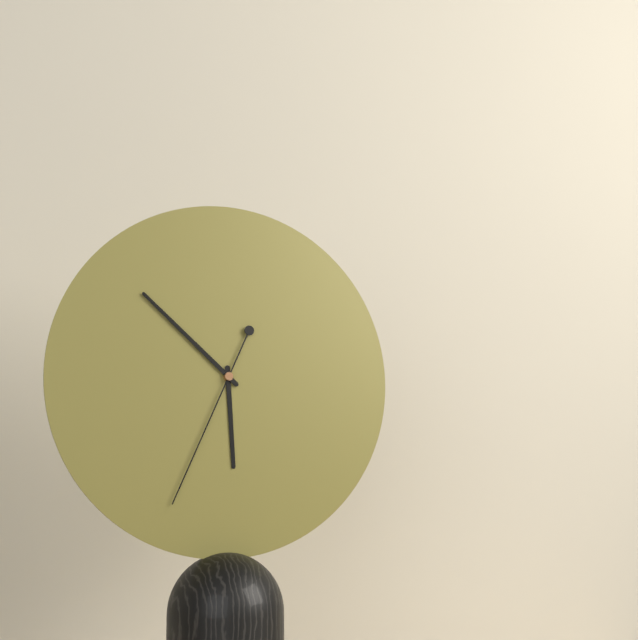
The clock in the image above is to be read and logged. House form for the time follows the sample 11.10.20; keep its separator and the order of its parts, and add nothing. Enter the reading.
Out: 5.52.34
